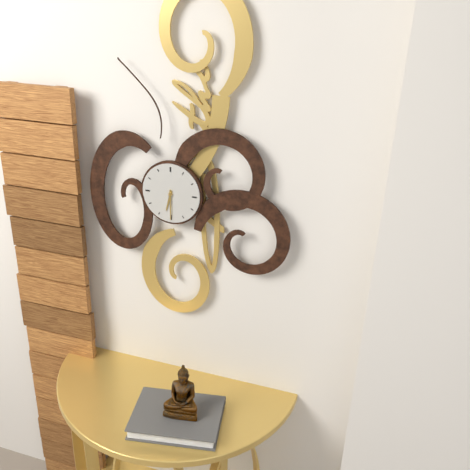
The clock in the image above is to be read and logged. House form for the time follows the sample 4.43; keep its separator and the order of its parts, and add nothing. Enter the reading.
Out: 6.30
